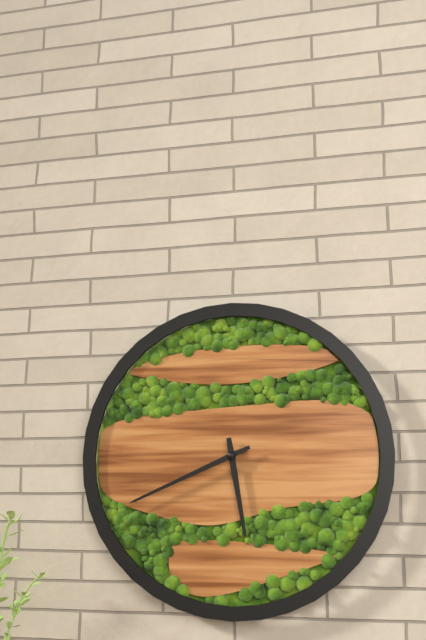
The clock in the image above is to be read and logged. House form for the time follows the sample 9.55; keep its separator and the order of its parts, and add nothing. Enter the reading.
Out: 5.41
